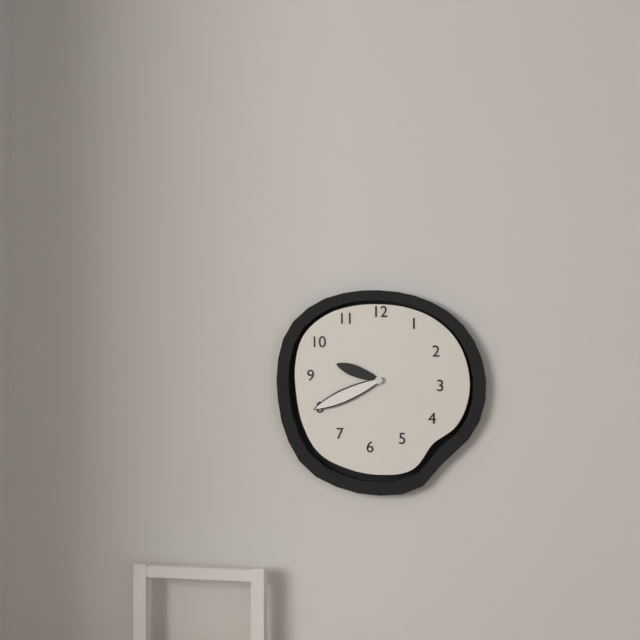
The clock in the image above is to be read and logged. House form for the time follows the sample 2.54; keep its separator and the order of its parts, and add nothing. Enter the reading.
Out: 9.41
